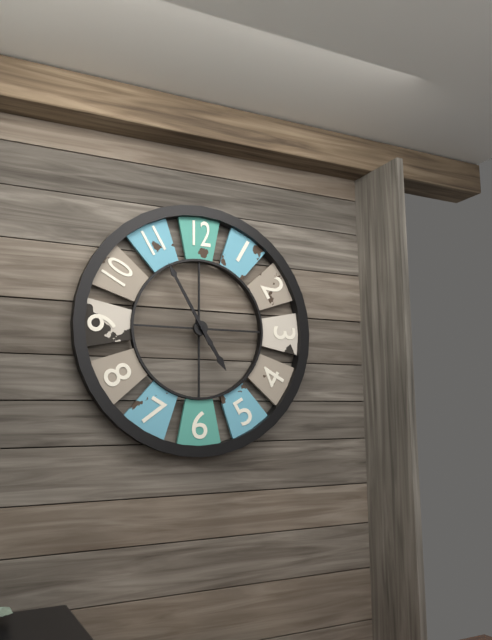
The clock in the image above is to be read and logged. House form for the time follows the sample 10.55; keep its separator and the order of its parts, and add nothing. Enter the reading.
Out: 4.55
